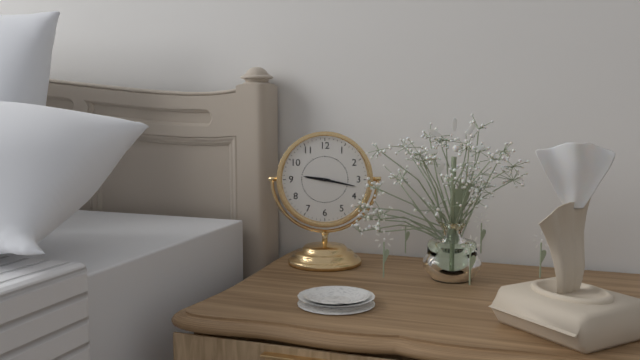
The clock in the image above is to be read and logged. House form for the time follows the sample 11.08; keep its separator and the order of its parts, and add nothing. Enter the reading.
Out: 9.17
